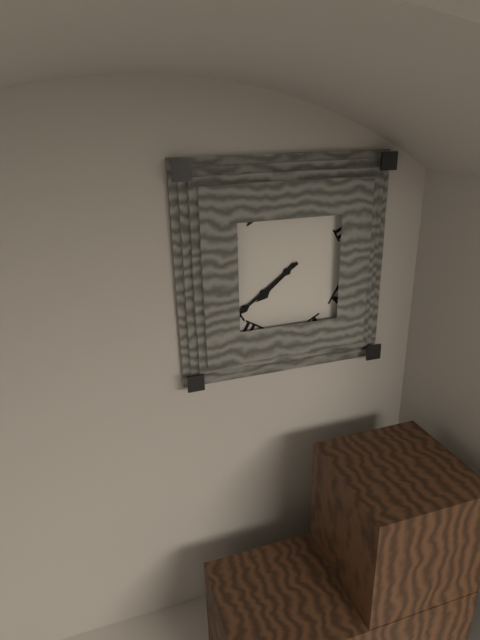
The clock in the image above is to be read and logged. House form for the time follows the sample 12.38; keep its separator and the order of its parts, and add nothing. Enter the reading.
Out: 7.39
